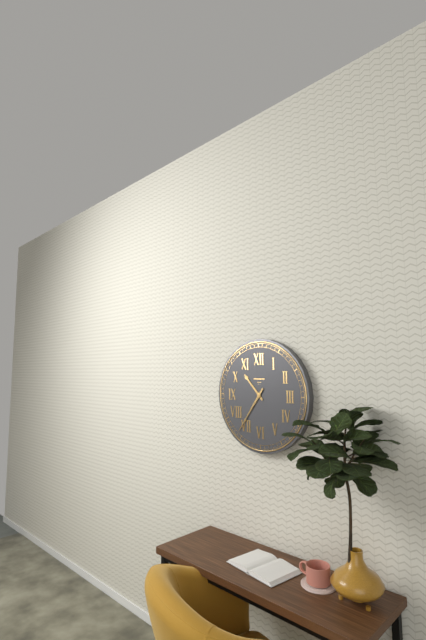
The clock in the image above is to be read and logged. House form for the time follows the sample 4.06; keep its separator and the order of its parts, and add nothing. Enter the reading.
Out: 10.36
